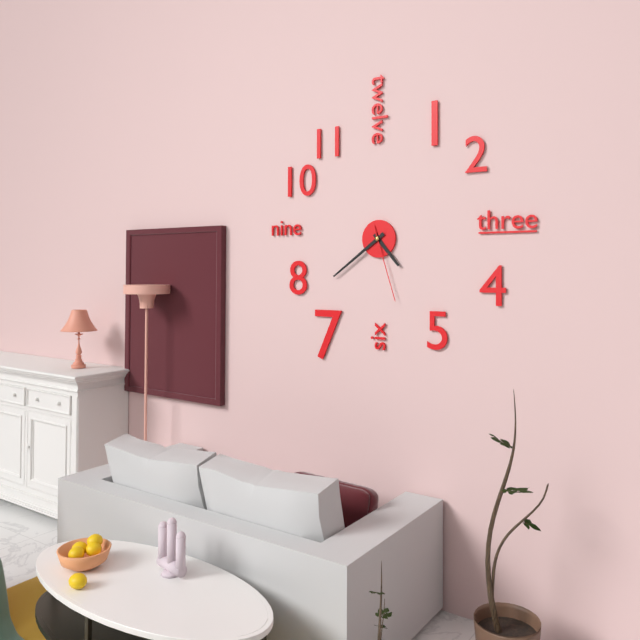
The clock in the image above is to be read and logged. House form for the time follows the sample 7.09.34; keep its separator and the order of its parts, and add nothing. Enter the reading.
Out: 4.39.27
